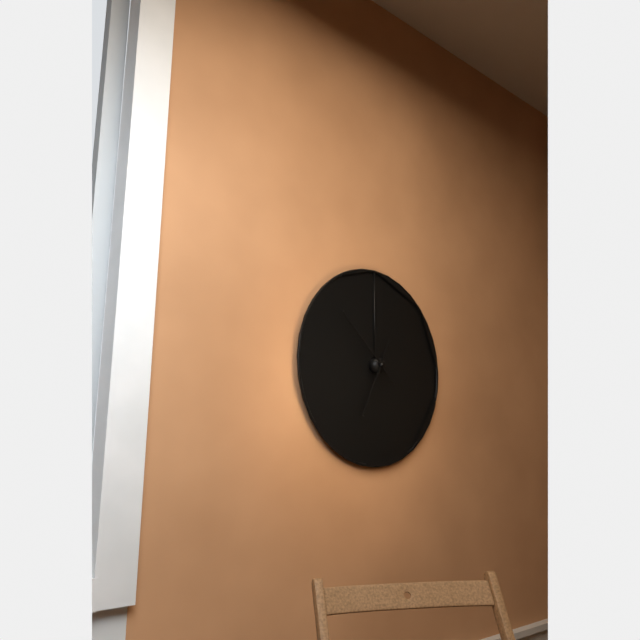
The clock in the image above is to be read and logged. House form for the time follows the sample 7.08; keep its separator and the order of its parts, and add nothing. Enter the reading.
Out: 6.52
